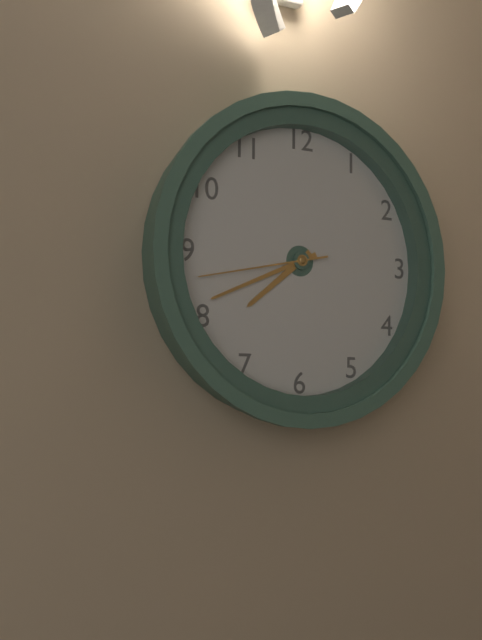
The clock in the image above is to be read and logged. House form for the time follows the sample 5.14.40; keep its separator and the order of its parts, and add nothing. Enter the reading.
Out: 7.41.43
